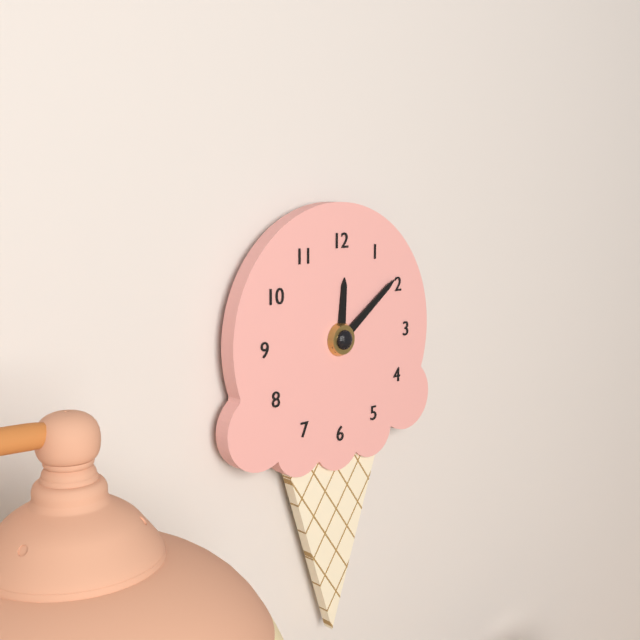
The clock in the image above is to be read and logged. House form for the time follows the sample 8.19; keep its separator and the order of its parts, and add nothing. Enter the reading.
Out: 12.09
